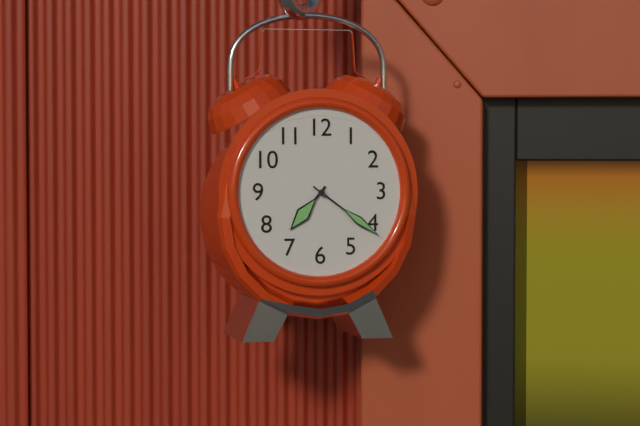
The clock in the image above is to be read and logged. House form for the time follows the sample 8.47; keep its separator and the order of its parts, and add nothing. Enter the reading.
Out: 7.21
